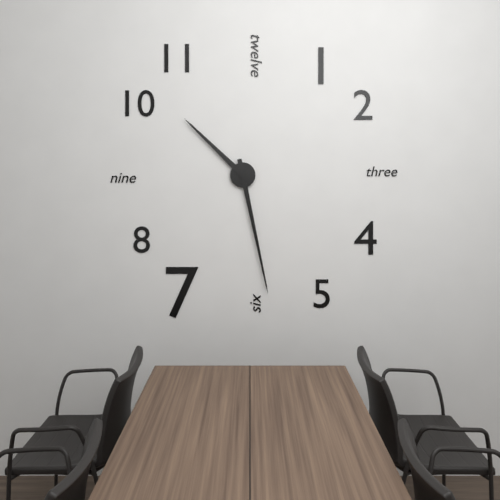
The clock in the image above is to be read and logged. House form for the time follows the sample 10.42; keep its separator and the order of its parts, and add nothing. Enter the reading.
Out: 10.28
